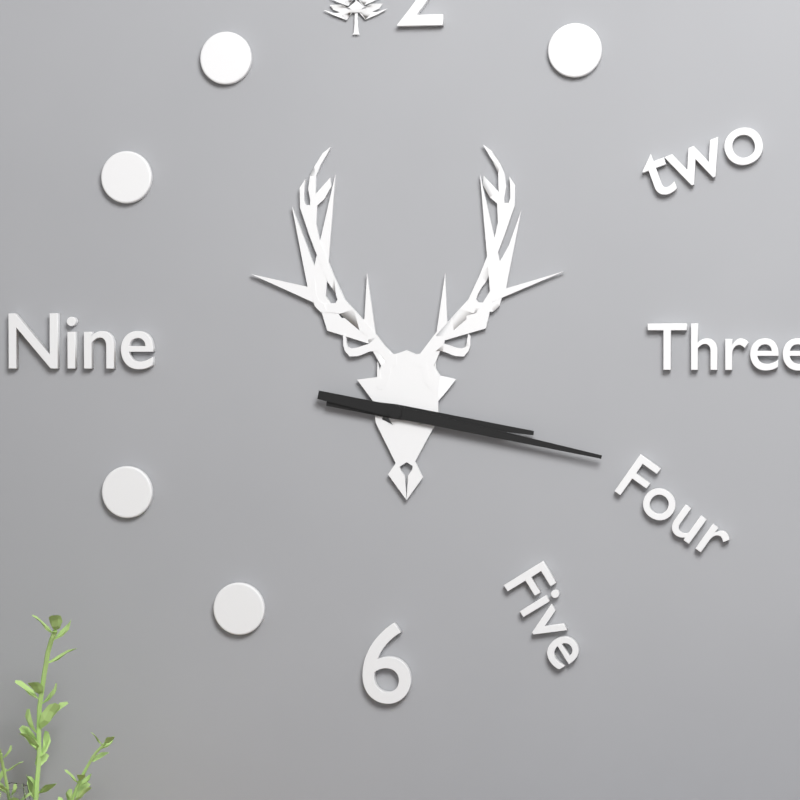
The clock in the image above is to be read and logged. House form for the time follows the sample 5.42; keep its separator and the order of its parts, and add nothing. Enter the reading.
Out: 3.17
